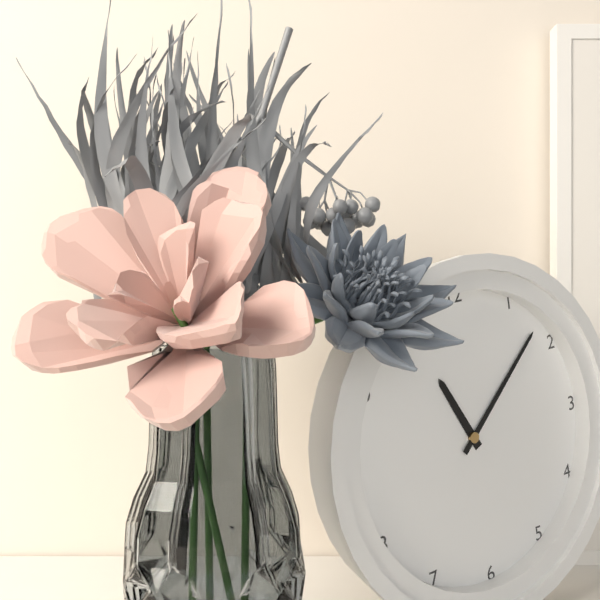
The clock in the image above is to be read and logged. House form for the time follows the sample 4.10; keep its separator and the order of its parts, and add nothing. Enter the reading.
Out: 11.08
